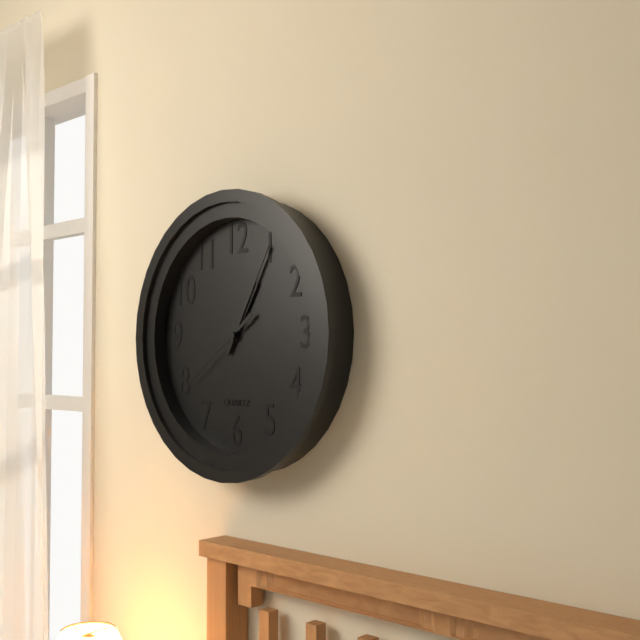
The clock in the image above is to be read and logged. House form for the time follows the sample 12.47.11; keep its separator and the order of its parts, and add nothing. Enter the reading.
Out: 1.05.39
